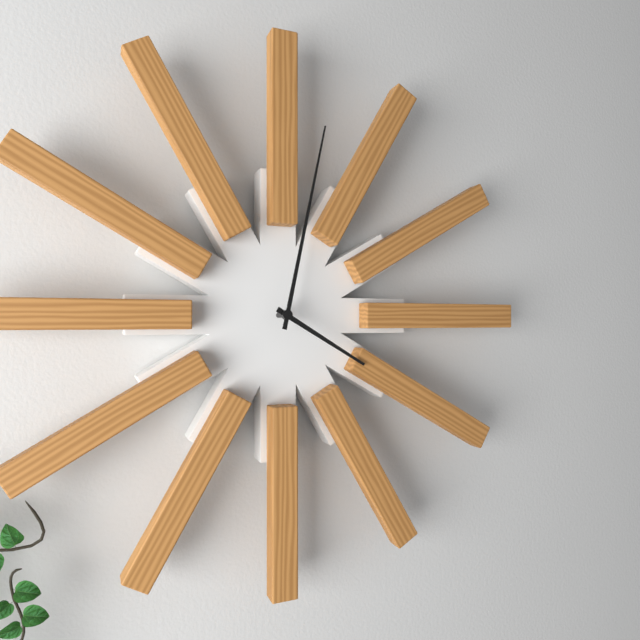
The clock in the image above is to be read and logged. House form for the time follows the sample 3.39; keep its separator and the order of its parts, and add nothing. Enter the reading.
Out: 4.02
